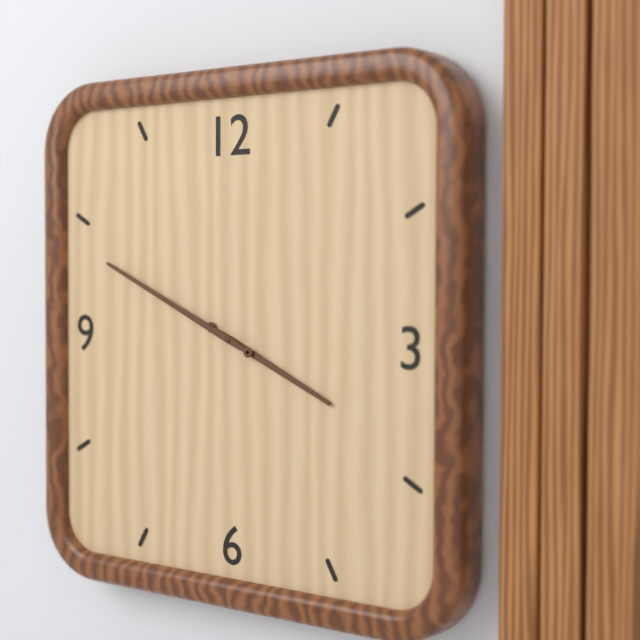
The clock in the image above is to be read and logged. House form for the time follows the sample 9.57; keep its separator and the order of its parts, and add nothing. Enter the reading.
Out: 3.49
